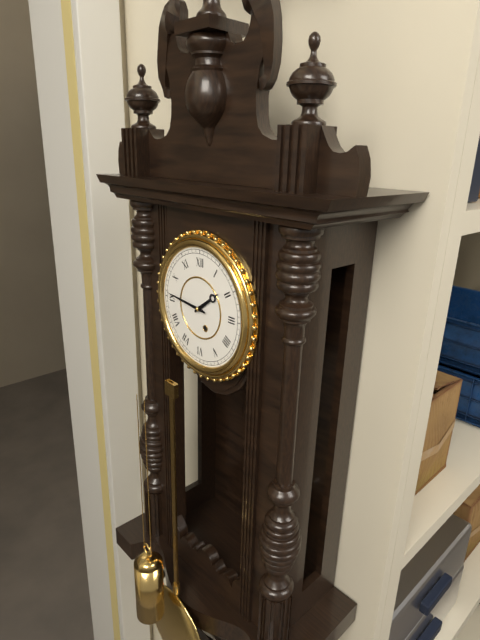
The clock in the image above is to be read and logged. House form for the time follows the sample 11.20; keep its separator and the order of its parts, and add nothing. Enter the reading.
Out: 1.46
